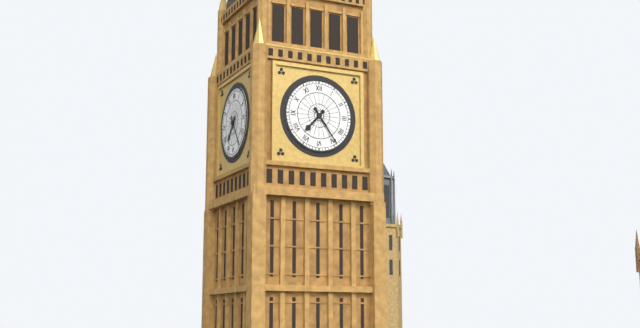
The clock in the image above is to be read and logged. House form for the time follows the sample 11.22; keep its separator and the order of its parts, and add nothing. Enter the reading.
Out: 7.24
